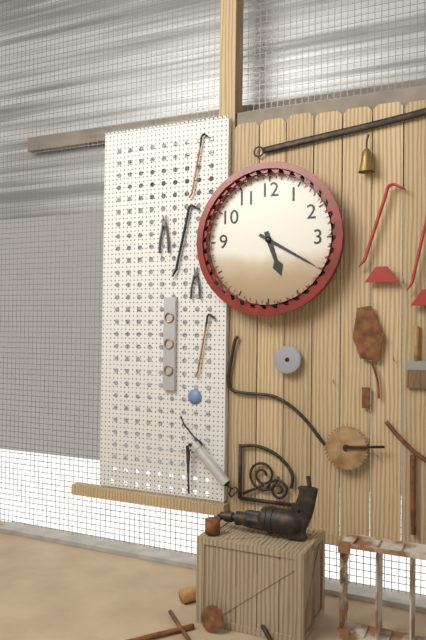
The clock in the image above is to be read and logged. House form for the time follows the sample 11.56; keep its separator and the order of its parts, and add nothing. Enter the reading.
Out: 5.20
